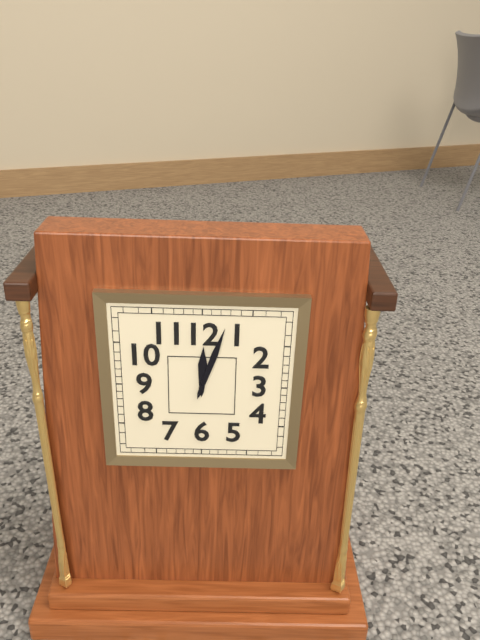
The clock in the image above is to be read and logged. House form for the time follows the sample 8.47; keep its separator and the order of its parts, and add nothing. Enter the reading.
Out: 12.03
